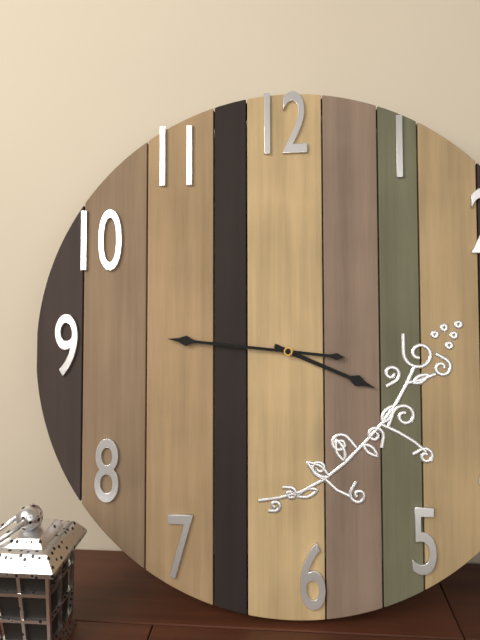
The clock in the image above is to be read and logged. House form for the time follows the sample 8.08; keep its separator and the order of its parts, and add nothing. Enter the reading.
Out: 3.46
